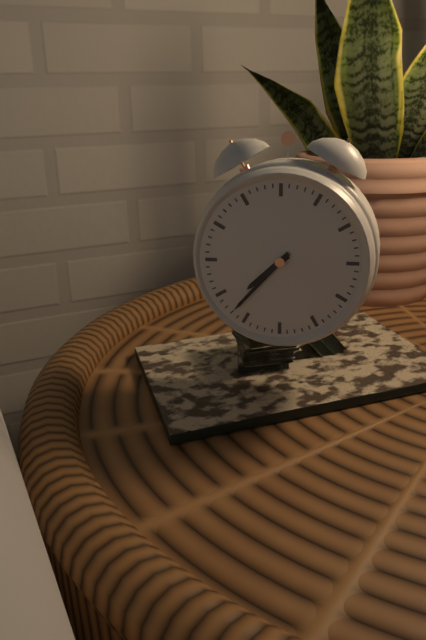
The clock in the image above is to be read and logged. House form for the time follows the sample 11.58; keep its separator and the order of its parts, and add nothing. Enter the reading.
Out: 7.37
